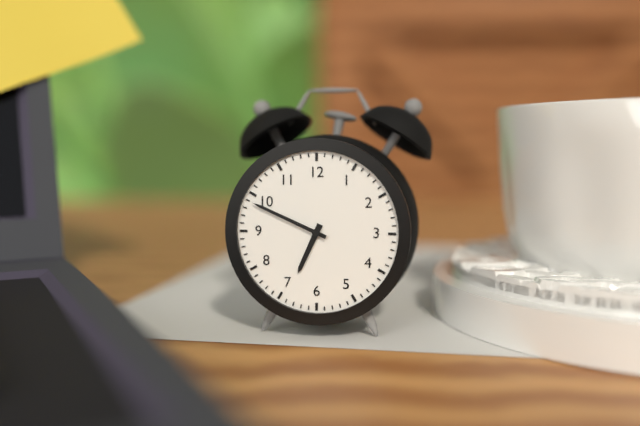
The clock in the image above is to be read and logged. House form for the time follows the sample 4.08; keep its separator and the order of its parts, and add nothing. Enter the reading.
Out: 6.49
